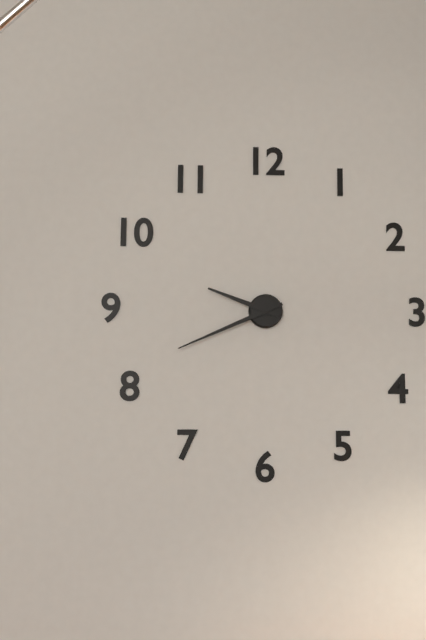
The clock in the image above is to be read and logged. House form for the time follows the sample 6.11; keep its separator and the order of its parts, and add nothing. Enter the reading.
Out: 9.41
